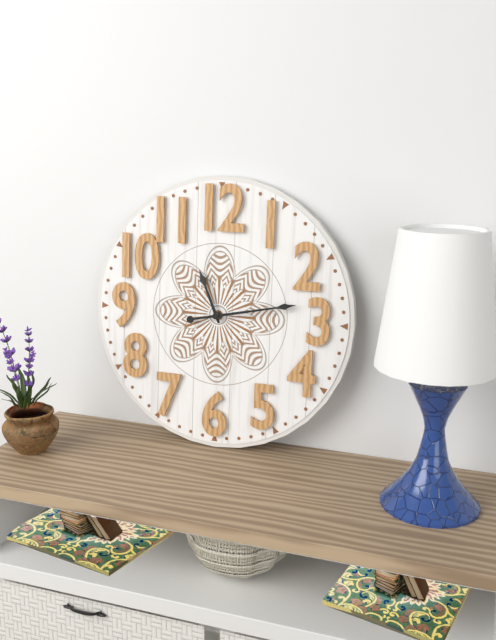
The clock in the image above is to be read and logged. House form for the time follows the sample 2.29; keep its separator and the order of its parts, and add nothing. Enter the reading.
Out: 11.13
